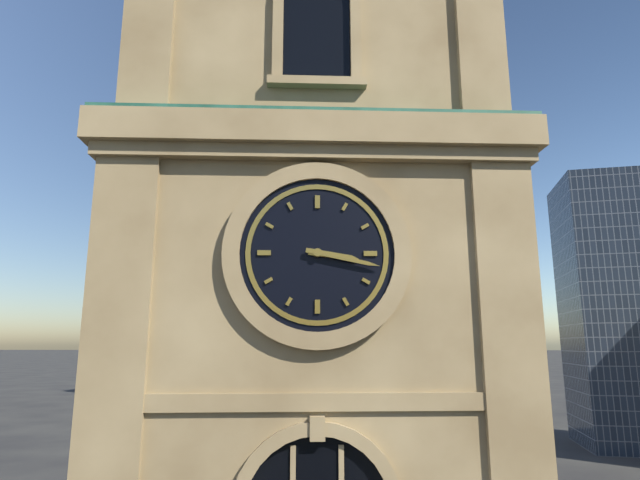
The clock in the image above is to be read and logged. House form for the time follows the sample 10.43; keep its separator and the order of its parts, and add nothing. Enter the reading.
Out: 3.17
